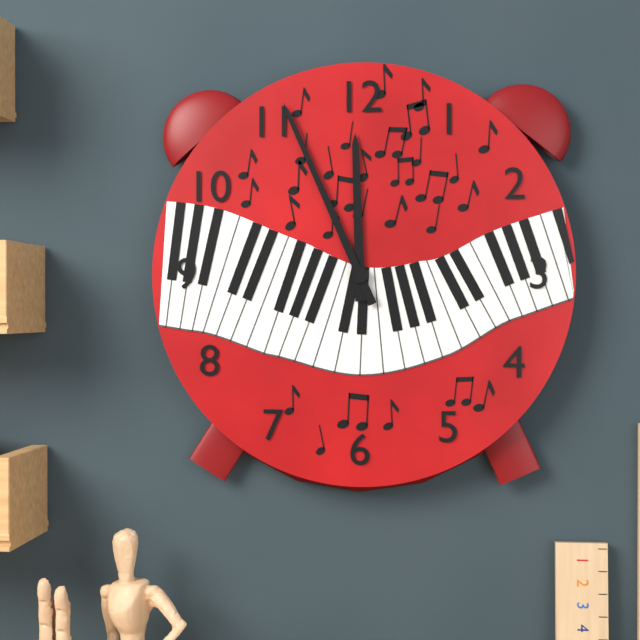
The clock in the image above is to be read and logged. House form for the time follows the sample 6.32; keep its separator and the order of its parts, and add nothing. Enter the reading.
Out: 11.56
